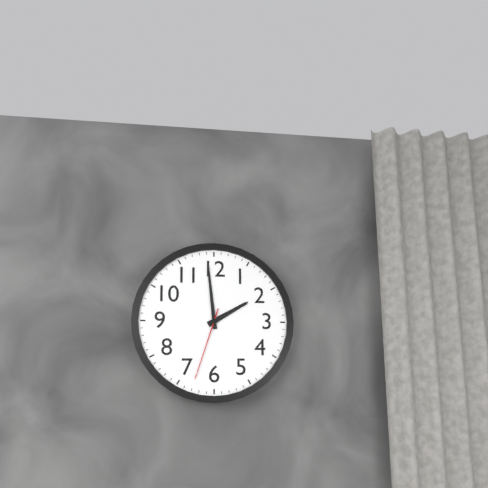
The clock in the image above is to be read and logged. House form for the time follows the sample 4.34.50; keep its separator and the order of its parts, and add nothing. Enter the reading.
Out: 1.59.33
